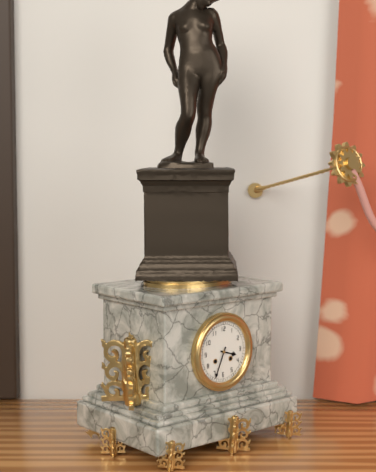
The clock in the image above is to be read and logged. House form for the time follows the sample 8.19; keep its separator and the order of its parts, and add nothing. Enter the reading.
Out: 3.34
